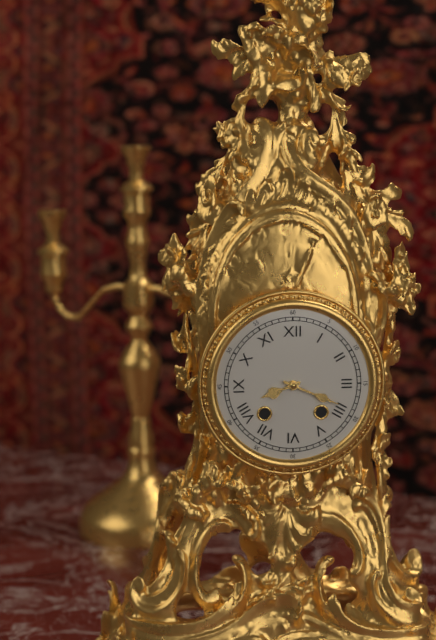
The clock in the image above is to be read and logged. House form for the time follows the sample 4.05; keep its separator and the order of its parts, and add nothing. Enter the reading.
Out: 8.19
